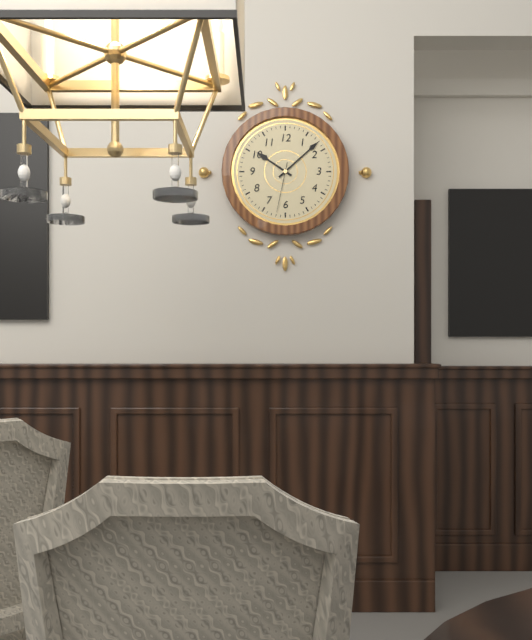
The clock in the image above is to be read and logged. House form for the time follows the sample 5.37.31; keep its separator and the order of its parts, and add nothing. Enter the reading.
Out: 10.08.32
